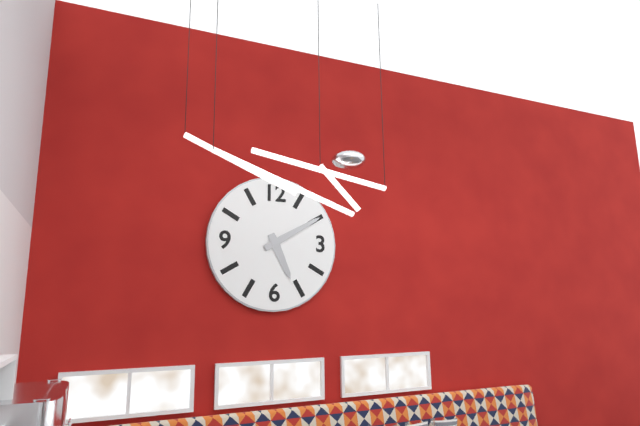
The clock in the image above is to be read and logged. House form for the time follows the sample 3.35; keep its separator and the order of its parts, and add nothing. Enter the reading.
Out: 5.10
